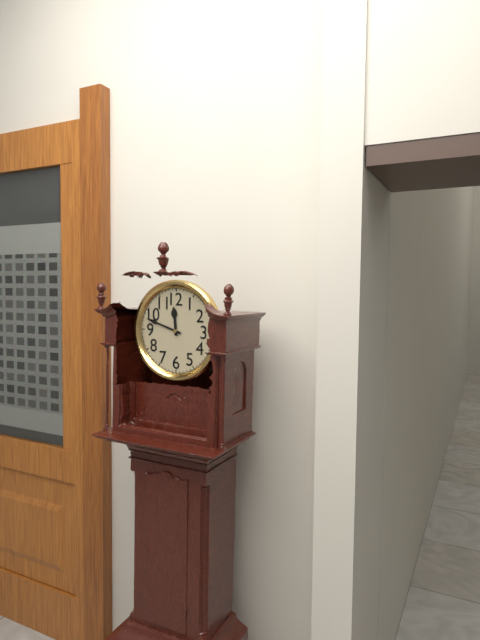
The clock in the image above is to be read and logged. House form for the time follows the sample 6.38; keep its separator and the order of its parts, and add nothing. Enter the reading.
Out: 11.48
